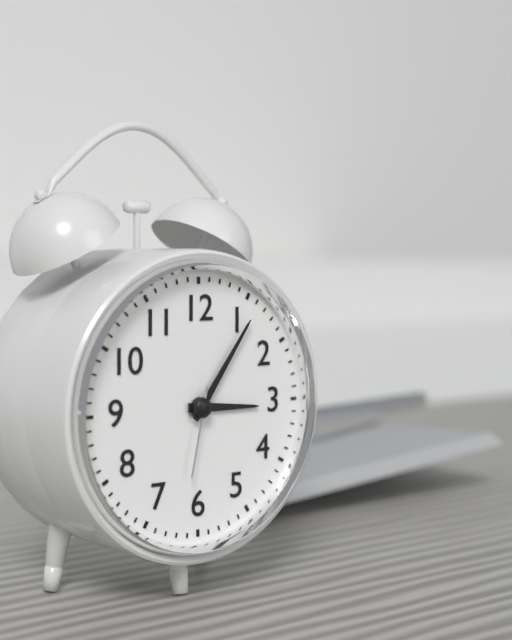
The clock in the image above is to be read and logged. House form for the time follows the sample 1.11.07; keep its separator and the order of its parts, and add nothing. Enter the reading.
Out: 3.06.32
